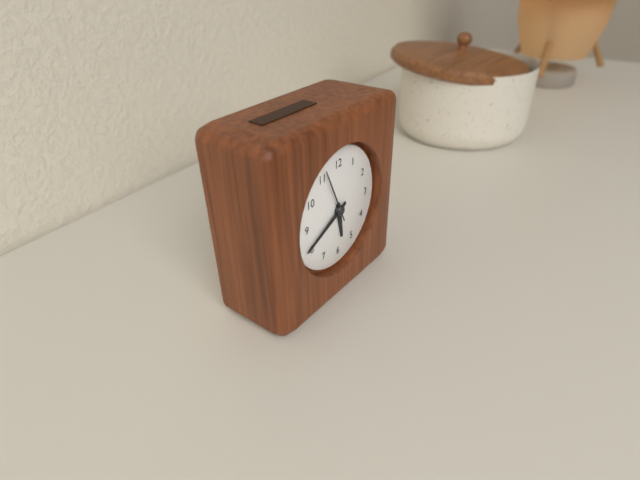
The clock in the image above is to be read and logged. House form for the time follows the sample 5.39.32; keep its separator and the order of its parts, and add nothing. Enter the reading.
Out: 5.41.56
